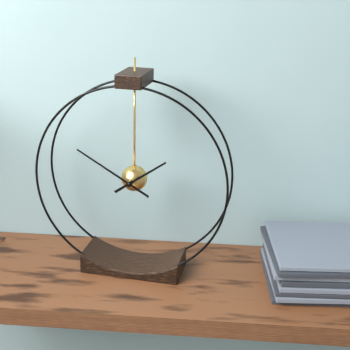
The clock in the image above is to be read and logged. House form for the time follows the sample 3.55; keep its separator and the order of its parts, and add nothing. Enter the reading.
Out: 1.50
